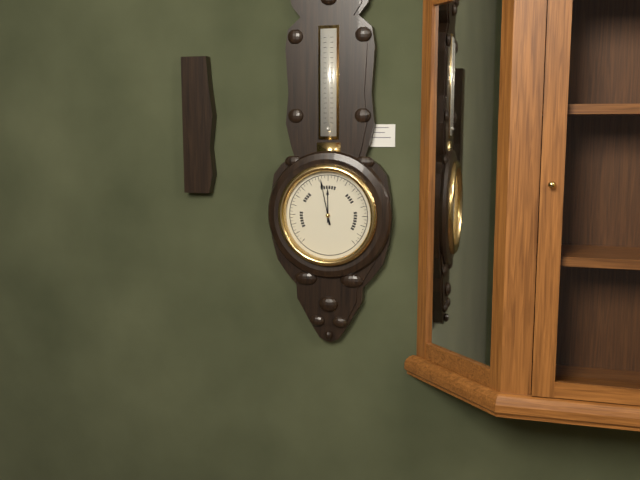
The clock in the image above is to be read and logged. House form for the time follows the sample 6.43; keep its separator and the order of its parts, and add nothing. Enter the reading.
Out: 11.58
